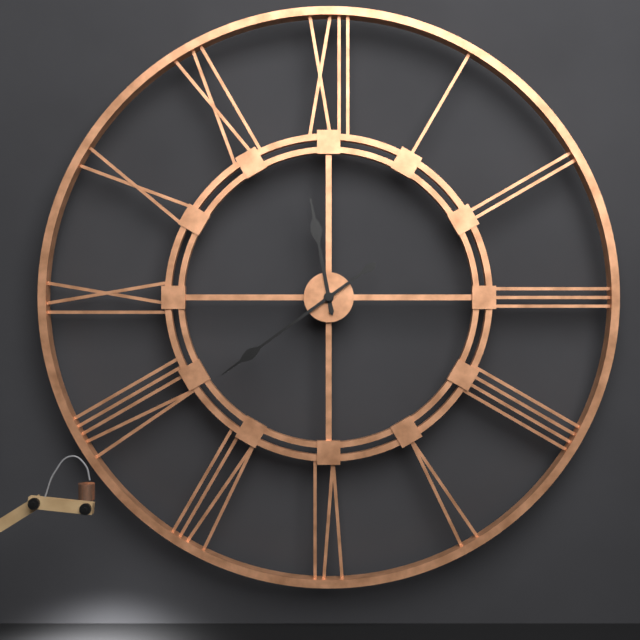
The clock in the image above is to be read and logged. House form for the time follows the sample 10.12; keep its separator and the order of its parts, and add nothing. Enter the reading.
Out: 11.39
